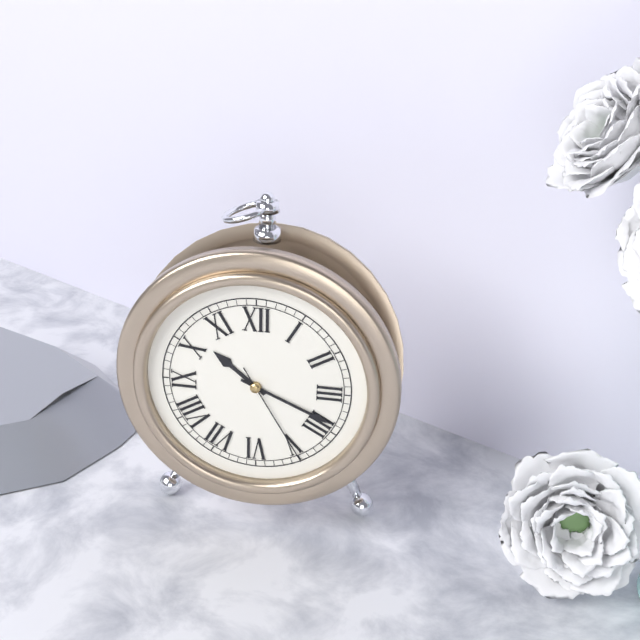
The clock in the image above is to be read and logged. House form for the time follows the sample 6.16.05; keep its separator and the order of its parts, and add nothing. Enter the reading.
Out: 10.19.25
